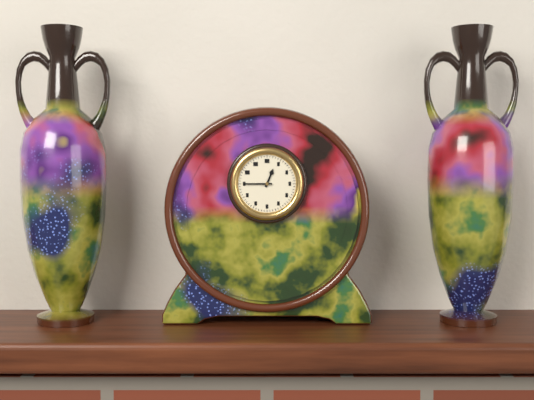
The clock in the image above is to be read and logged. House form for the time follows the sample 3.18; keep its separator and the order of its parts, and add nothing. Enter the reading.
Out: 12.45
